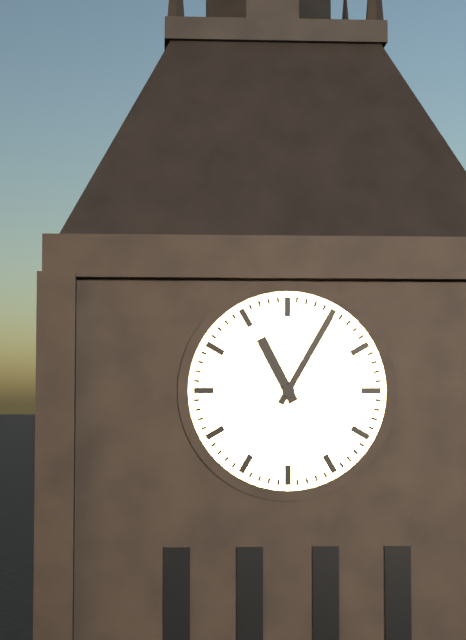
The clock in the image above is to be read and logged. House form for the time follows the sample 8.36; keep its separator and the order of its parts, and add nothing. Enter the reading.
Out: 11.05
